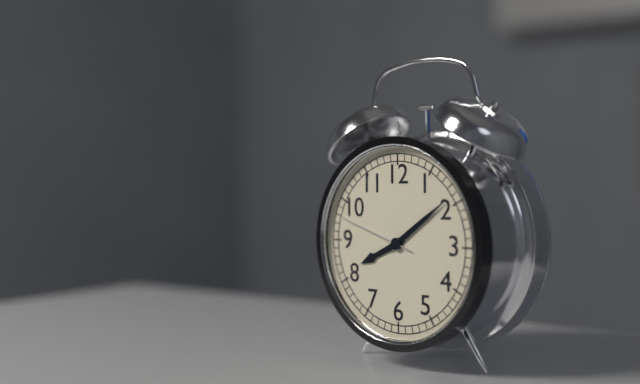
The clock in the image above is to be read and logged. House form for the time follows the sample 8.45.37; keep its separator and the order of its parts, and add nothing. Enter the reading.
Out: 8.09.48
